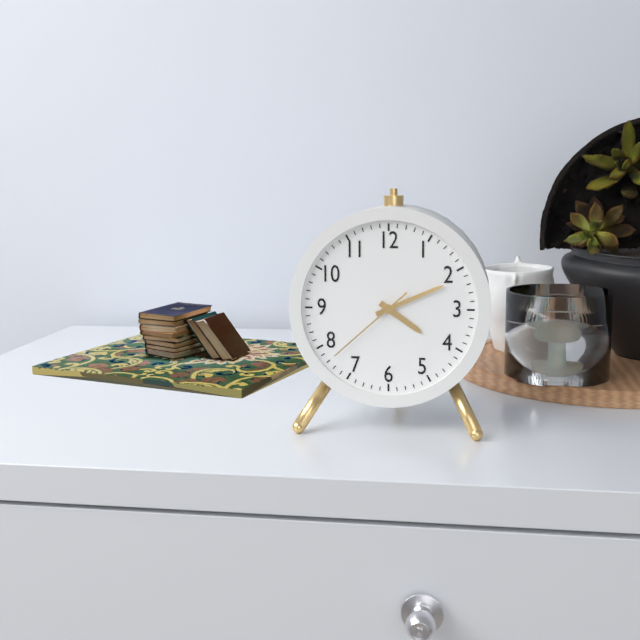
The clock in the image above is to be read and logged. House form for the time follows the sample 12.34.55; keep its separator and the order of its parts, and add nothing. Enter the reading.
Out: 4.11.38
